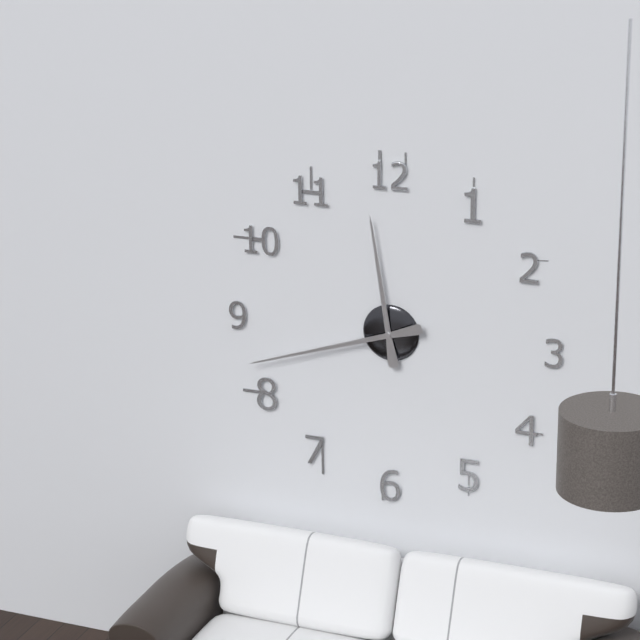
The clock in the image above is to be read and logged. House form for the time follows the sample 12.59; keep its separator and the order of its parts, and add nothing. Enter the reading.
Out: 11.42
